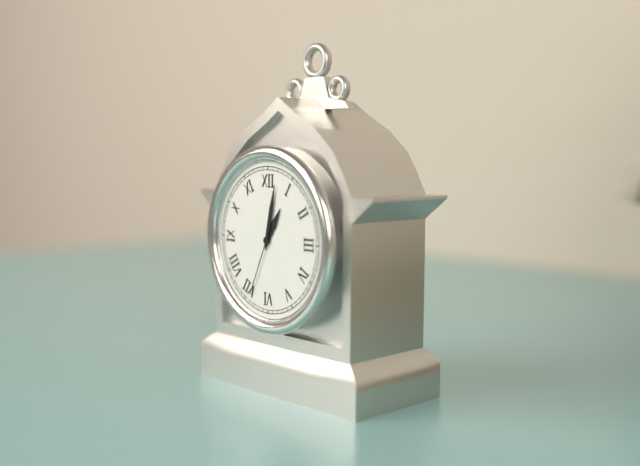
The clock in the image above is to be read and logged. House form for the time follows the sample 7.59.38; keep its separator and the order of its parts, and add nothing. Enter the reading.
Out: 1.02.34
